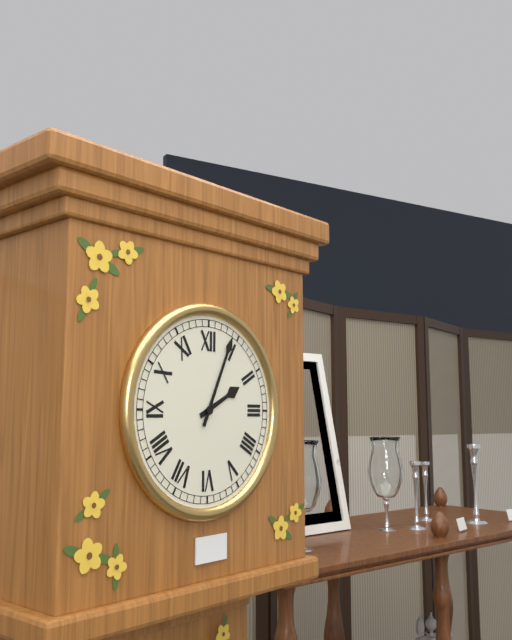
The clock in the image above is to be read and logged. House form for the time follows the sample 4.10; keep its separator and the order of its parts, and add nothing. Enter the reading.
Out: 2.04
